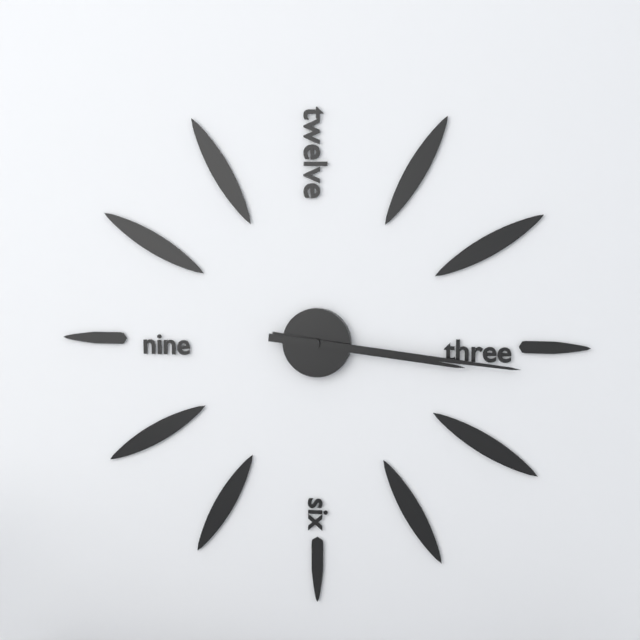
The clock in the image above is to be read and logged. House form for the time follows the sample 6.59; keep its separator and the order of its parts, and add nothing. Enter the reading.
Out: 3.16
